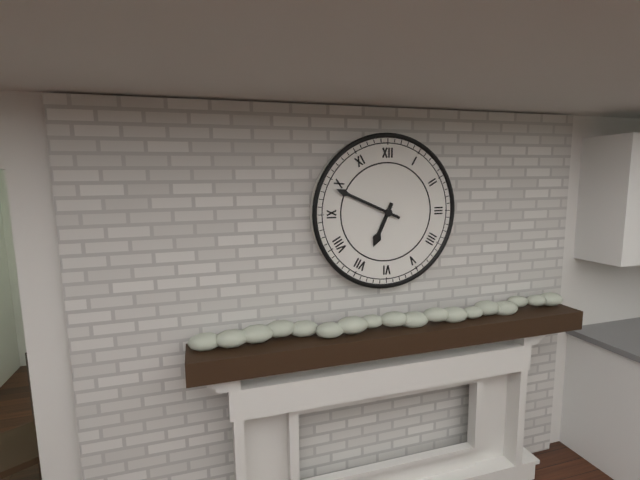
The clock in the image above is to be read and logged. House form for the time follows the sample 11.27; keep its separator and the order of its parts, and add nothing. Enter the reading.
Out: 6.49
